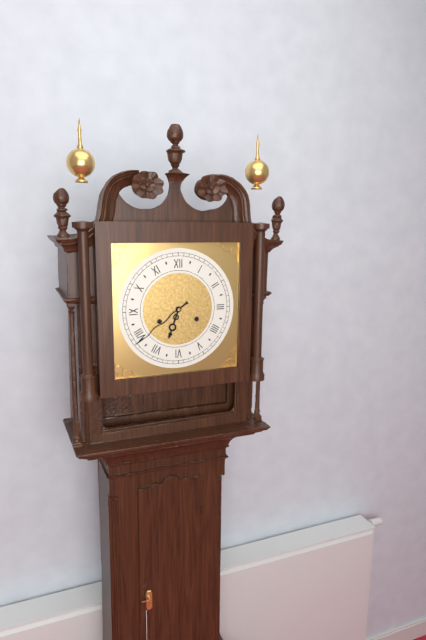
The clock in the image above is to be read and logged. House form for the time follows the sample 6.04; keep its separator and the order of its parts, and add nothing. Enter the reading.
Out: 6.39
